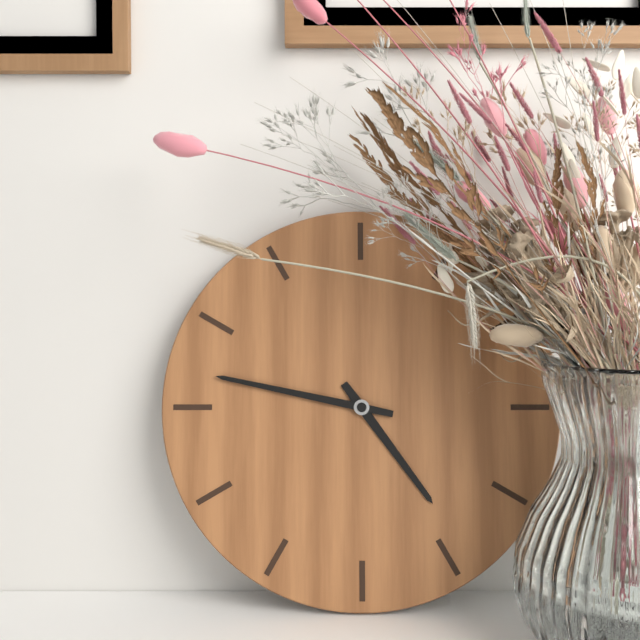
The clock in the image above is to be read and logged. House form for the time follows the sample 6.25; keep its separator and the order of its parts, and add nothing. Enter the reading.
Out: 4.47
